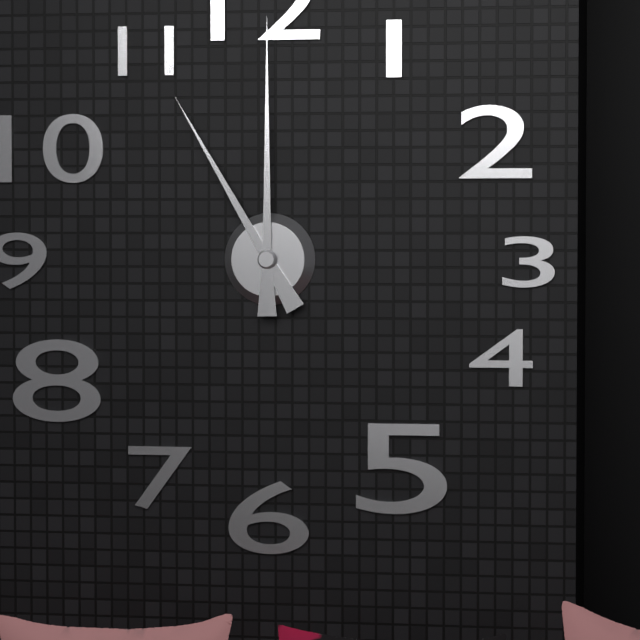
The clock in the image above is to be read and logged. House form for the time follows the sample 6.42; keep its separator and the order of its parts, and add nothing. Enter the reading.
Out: 11.00
